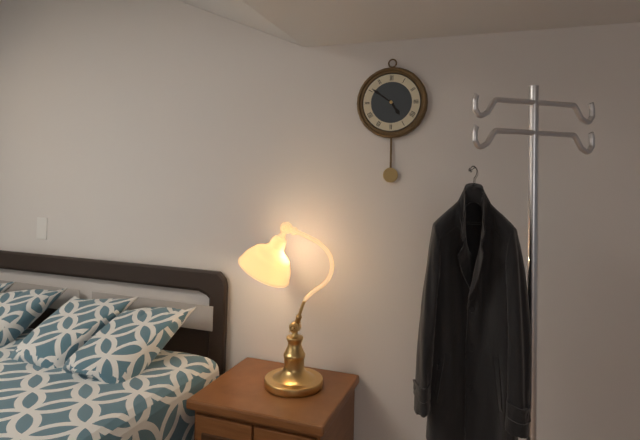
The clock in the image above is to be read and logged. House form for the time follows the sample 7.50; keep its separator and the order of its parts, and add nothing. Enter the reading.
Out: 4.51
